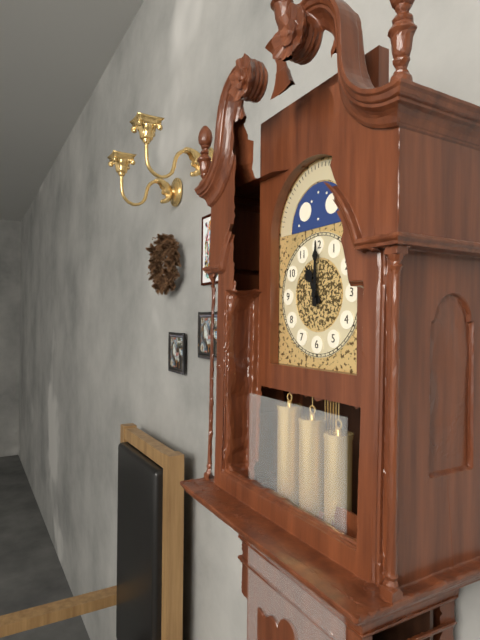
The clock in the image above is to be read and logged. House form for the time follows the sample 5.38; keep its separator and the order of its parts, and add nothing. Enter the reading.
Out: 11.00
